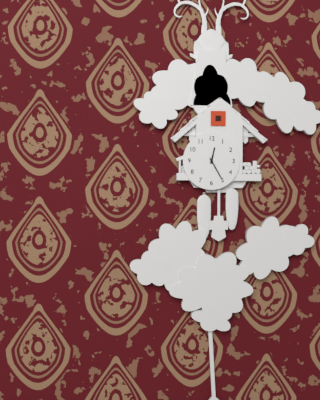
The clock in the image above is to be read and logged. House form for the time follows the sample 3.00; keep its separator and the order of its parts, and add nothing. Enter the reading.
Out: 12.25
